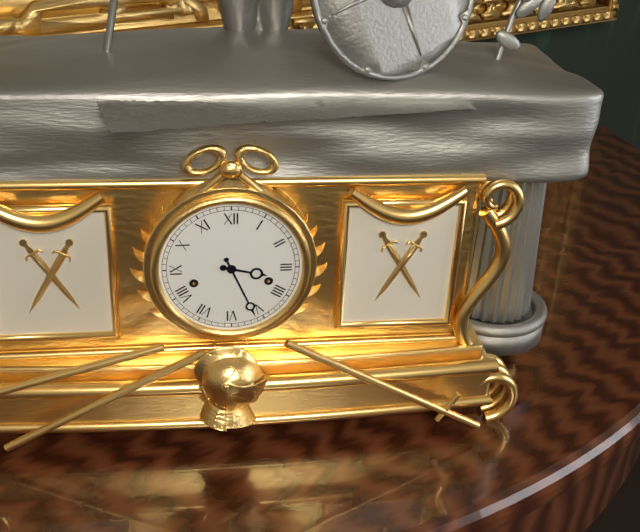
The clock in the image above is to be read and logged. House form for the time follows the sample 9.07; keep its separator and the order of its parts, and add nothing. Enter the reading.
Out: 3.26
